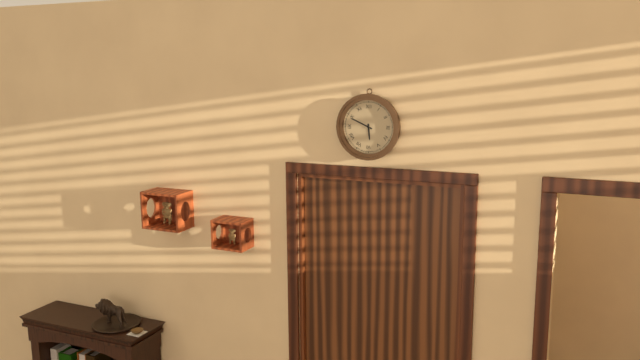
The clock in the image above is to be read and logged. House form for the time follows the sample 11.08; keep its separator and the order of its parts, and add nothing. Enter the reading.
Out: 5.49
